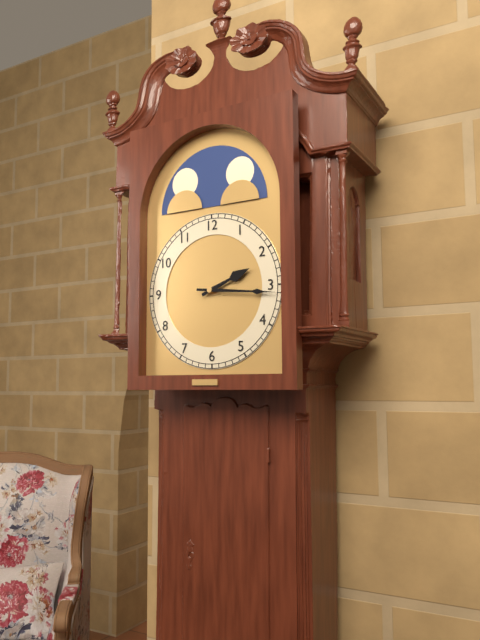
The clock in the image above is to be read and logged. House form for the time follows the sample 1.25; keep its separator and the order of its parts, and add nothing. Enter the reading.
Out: 2.16
